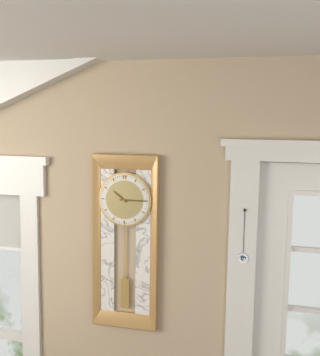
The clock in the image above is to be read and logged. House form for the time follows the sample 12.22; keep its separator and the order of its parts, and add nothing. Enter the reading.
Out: 10.15
